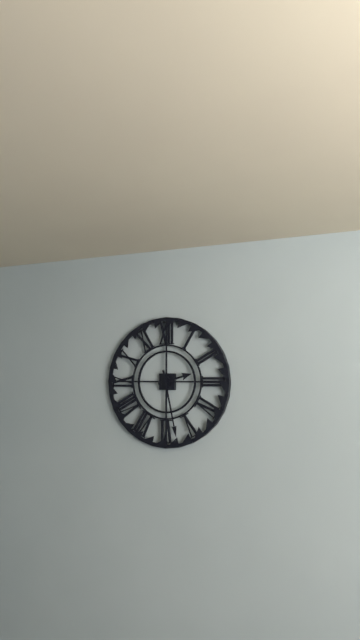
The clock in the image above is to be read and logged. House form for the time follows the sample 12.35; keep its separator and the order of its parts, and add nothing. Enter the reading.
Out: 2.28
